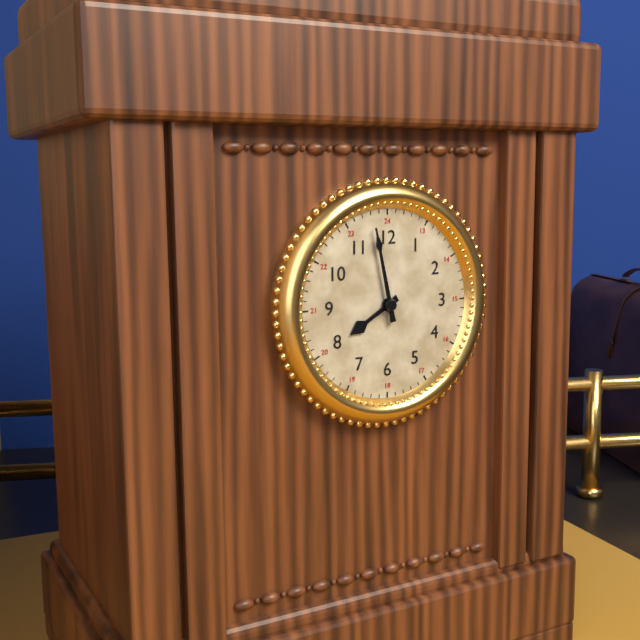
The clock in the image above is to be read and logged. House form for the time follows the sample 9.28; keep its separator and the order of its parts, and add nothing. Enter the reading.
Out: 7.58
